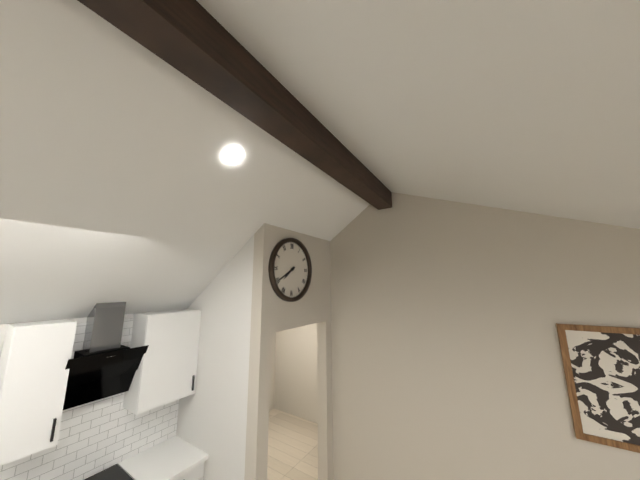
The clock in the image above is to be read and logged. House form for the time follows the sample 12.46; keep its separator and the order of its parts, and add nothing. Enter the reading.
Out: 7.40
